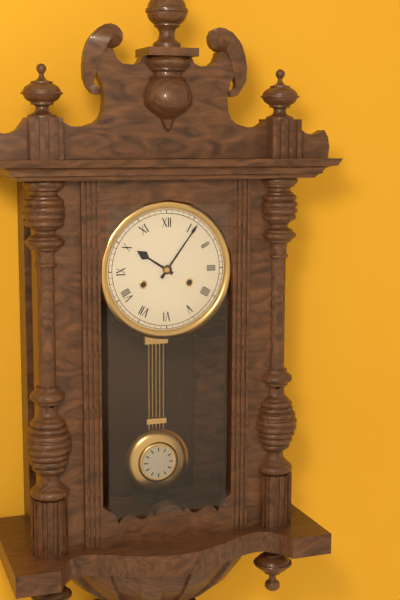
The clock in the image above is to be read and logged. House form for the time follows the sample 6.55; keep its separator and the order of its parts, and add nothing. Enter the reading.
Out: 10.06
